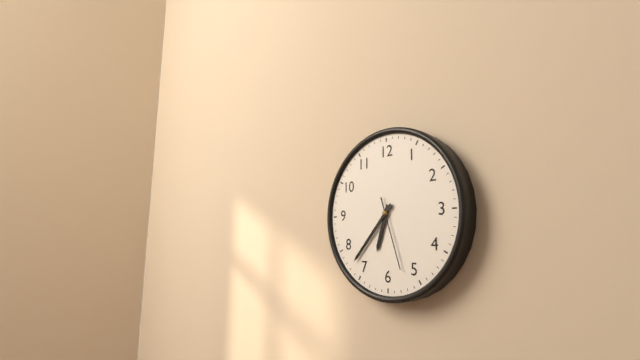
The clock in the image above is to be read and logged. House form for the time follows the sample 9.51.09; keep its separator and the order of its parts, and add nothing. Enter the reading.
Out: 6.37.27
